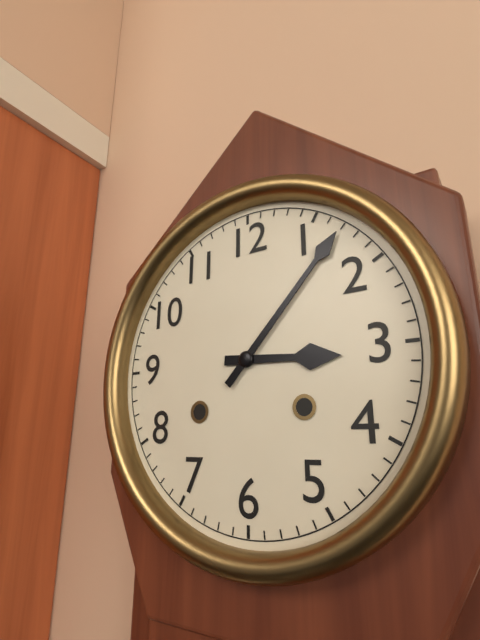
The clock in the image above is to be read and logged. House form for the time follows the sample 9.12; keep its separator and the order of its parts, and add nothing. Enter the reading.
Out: 3.07
